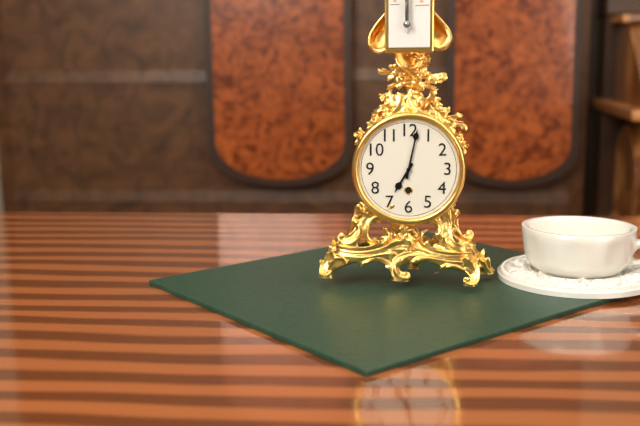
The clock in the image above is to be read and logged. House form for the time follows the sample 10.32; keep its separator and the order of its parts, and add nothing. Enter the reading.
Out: 7.02
